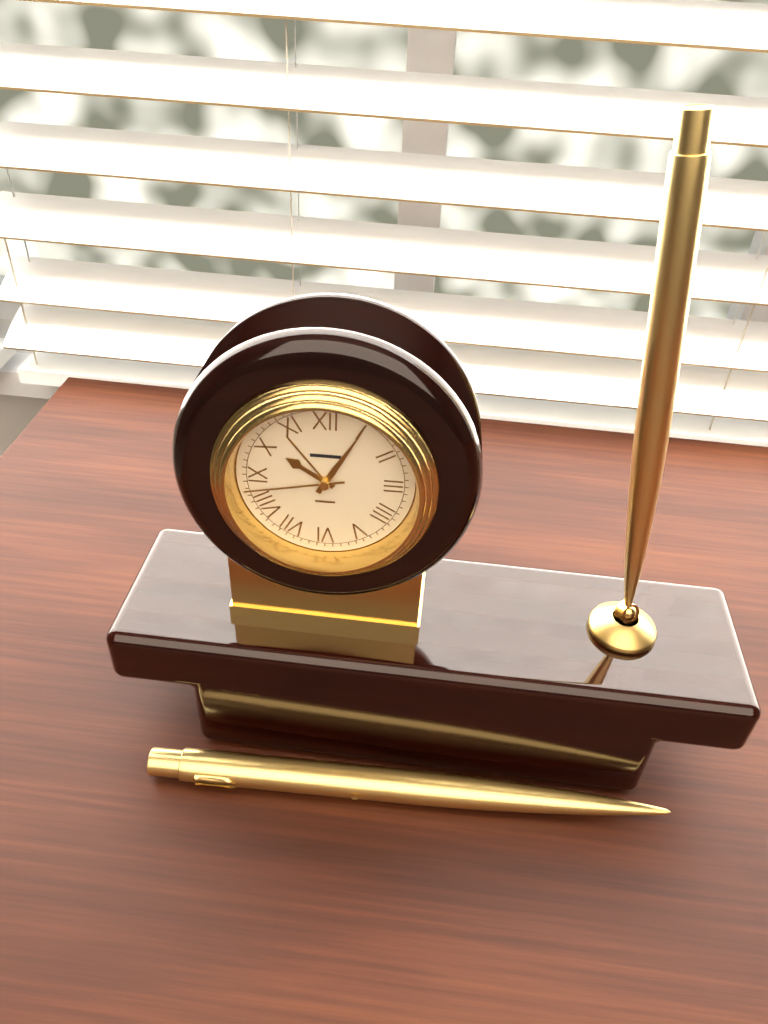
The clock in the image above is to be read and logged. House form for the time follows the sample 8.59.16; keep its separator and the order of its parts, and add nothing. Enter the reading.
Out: 10.05.43
